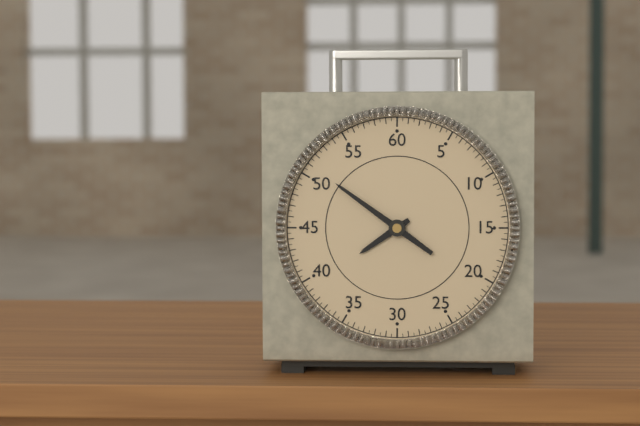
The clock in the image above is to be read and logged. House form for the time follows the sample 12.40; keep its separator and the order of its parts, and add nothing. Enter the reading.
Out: 7.51
